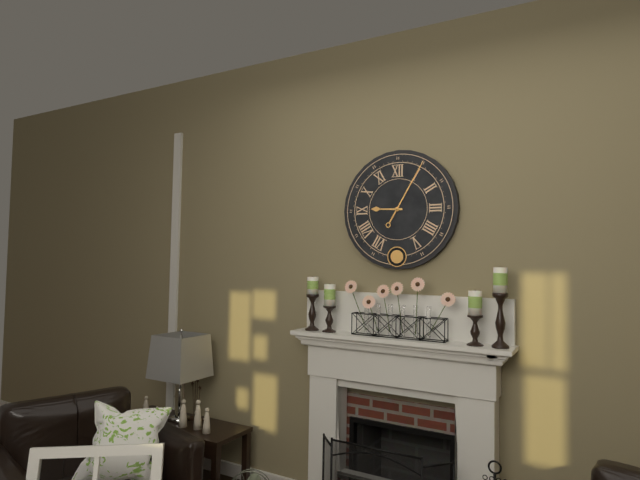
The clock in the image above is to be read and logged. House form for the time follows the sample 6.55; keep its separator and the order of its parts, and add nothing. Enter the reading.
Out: 9.05
